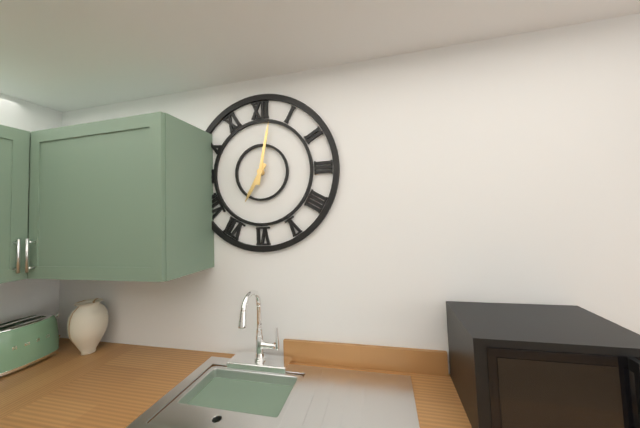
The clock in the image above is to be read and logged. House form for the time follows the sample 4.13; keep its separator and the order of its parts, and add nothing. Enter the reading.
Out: 7.02
